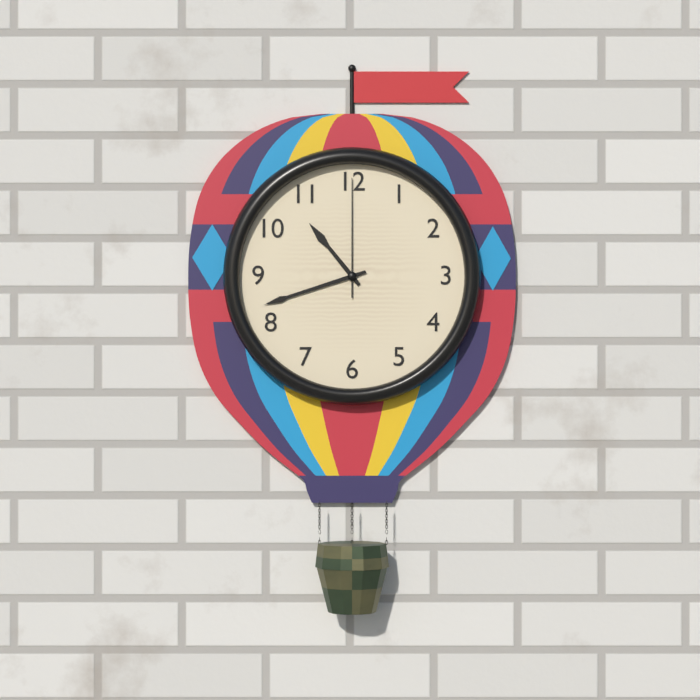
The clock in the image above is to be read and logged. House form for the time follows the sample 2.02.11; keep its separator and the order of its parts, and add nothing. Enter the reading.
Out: 10.42.00
